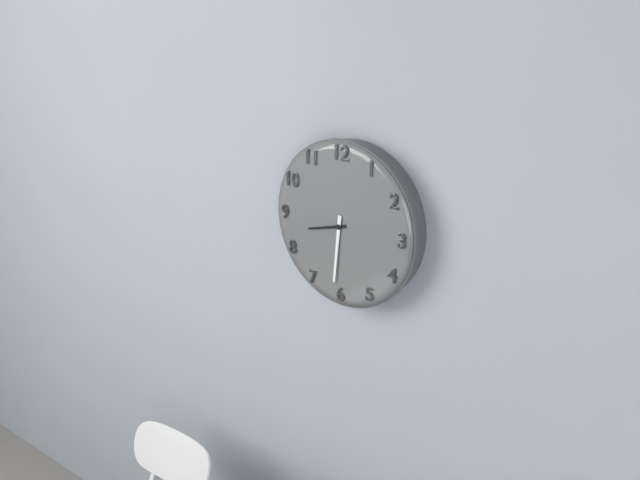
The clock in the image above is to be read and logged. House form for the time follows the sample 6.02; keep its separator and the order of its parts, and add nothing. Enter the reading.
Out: 8.31
